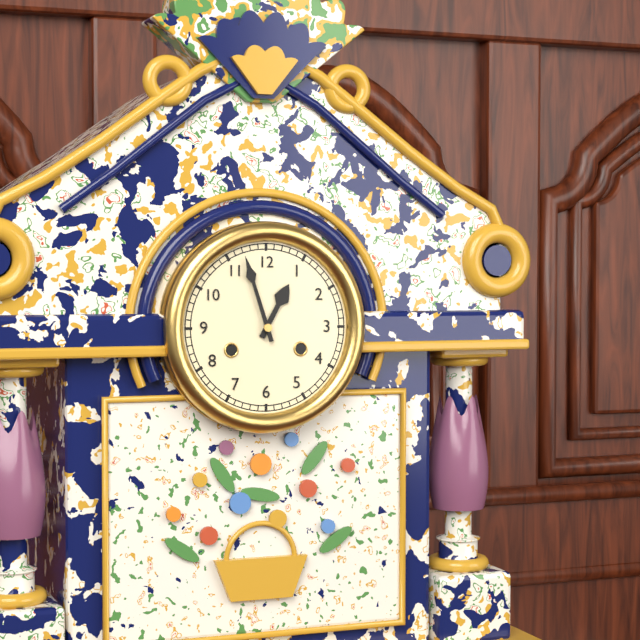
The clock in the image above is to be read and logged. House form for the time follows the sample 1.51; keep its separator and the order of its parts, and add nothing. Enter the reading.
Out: 12.57
